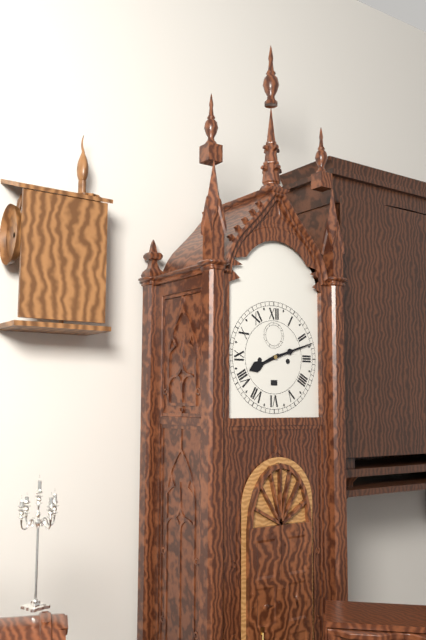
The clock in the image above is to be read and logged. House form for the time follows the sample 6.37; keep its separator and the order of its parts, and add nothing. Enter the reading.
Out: 8.12
